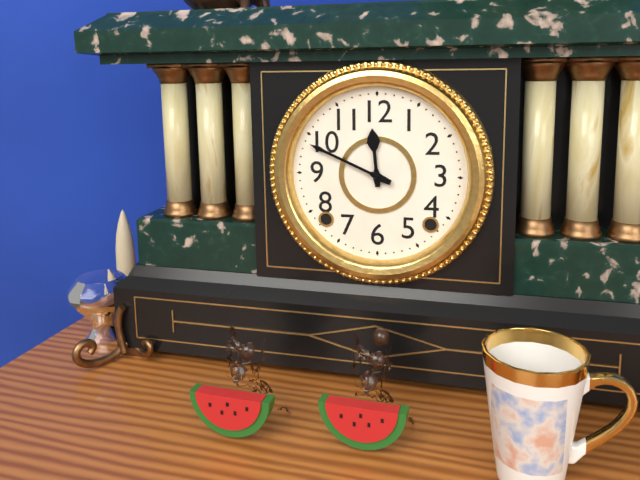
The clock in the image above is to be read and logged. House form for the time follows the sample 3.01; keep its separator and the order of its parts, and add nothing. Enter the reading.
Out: 11.49
